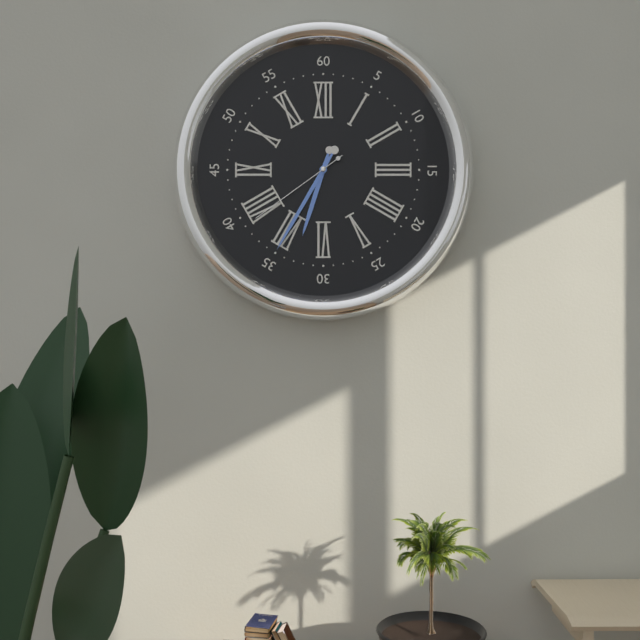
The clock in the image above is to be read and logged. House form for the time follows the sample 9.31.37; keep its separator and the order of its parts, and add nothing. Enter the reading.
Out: 6.35.39
